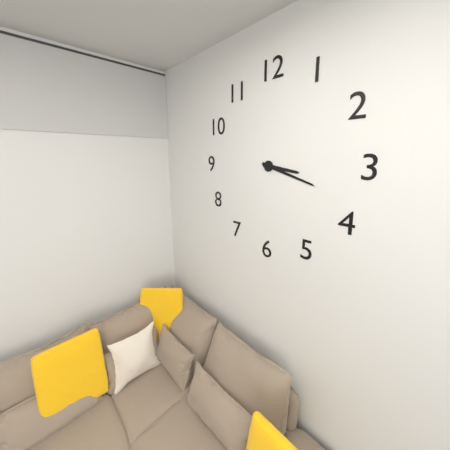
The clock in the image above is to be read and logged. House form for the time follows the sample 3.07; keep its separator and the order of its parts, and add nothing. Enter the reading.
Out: 3.18
